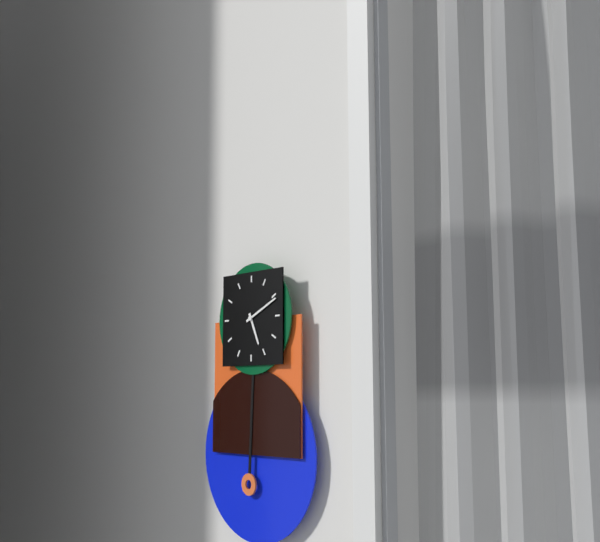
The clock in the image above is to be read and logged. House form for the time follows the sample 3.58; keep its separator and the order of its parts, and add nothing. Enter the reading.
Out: 5.11
